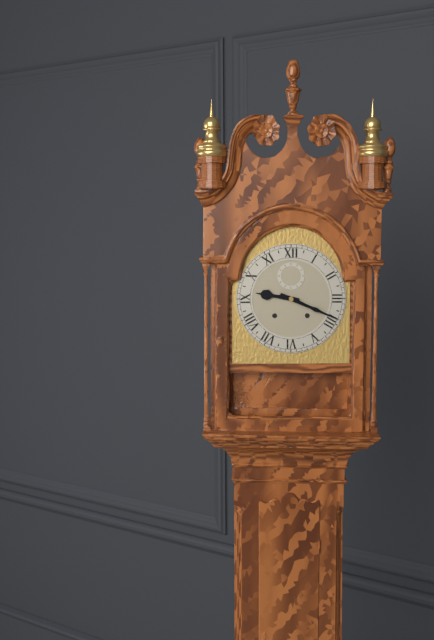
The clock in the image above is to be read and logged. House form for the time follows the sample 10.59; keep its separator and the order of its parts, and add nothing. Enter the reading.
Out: 9.19
